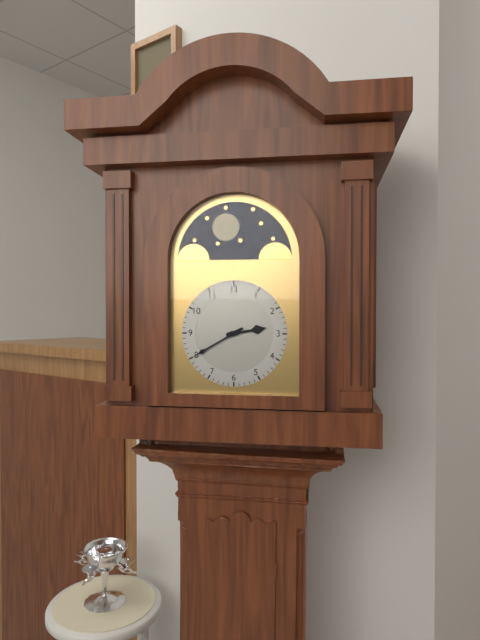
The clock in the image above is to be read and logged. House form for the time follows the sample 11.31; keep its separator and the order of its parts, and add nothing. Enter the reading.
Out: 2.40
